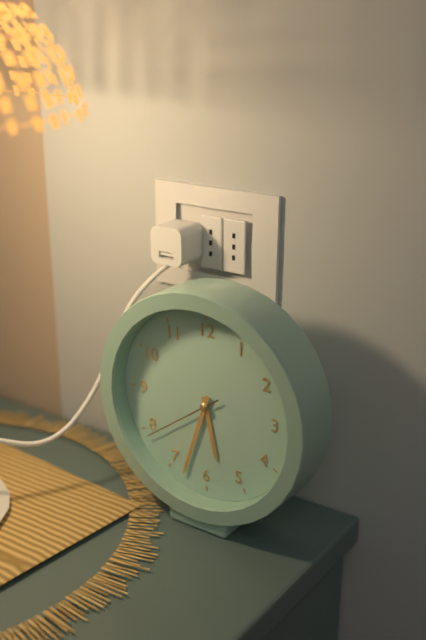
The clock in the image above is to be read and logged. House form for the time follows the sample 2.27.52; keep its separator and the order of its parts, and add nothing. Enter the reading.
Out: 5.33.39
